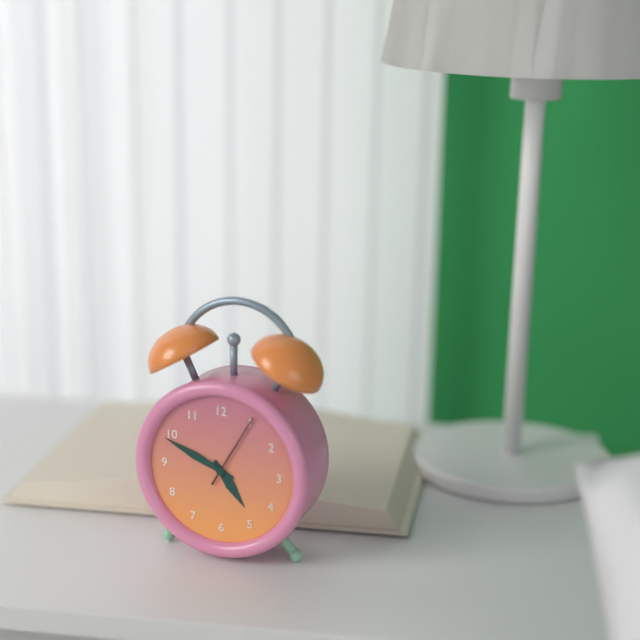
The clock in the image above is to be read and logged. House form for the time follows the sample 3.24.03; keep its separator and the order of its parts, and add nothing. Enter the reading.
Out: 4.49.05
